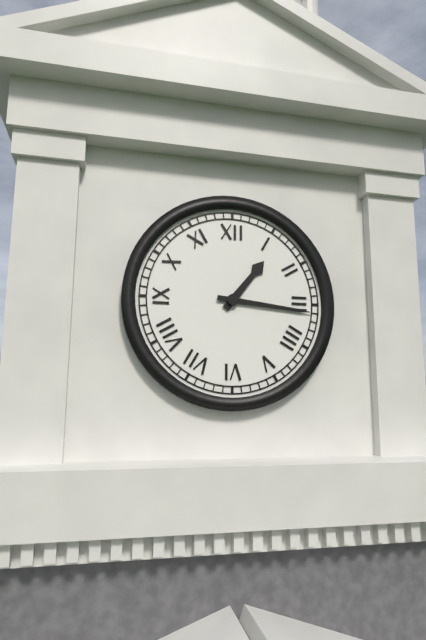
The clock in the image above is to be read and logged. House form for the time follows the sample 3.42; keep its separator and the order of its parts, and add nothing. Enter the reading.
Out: 1.16
